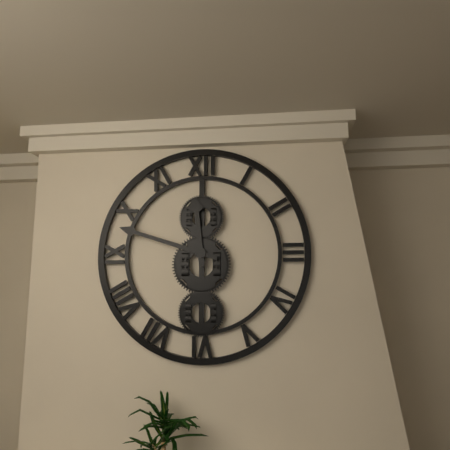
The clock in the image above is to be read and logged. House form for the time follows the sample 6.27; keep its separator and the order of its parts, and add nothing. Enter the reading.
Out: 11.48
